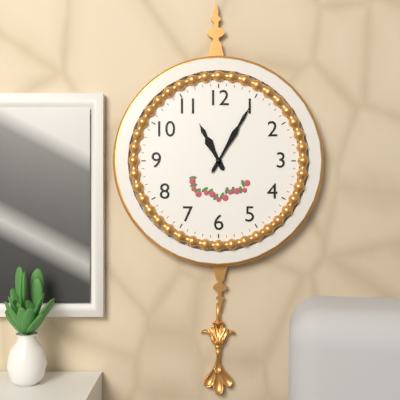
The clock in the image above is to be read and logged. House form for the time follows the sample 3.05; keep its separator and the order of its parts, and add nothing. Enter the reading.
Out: 11.05
